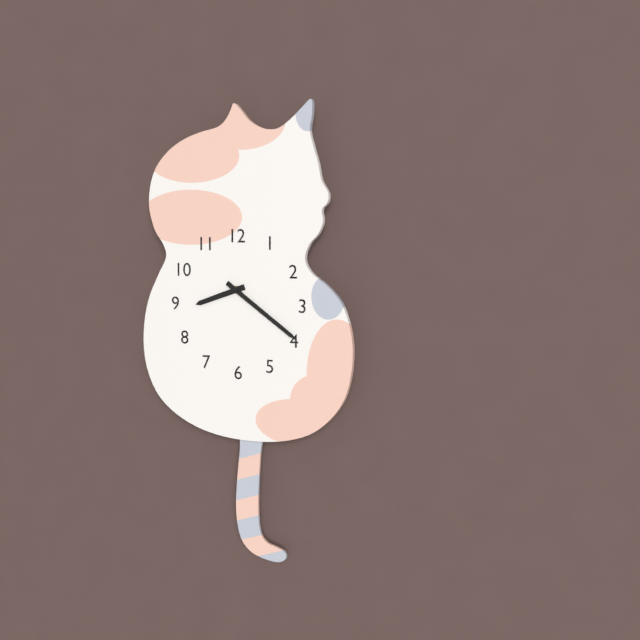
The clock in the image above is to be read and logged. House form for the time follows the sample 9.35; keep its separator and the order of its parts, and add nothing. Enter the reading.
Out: 8.21
